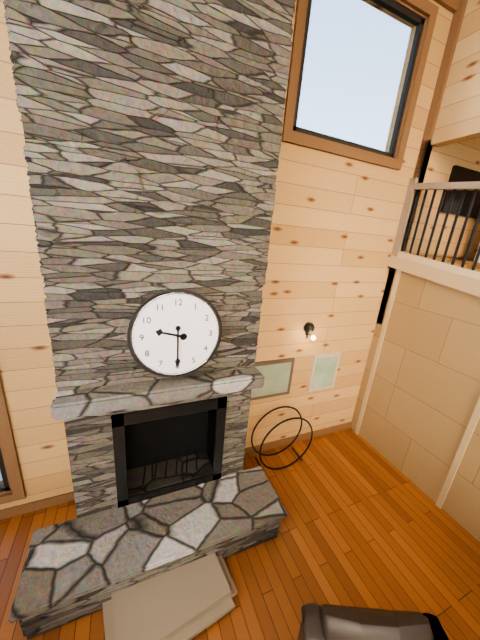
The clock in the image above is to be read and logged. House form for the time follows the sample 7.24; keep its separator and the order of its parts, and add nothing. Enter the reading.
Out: 9.30
